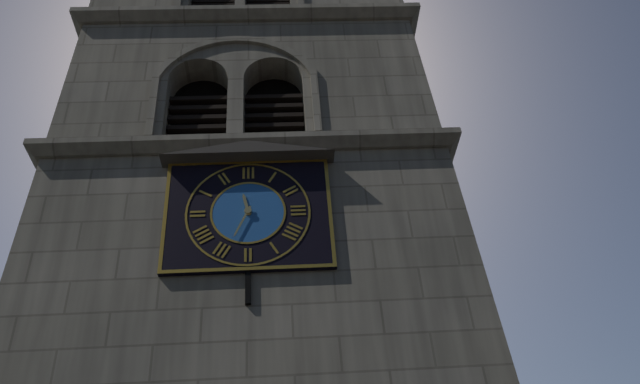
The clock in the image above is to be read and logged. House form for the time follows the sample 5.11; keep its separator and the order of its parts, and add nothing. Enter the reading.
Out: 11.34
